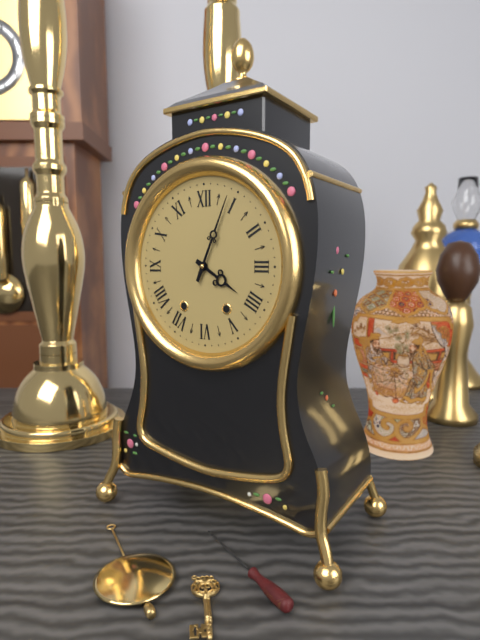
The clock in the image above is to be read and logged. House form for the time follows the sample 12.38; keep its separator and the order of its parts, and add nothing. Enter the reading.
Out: 4.04
